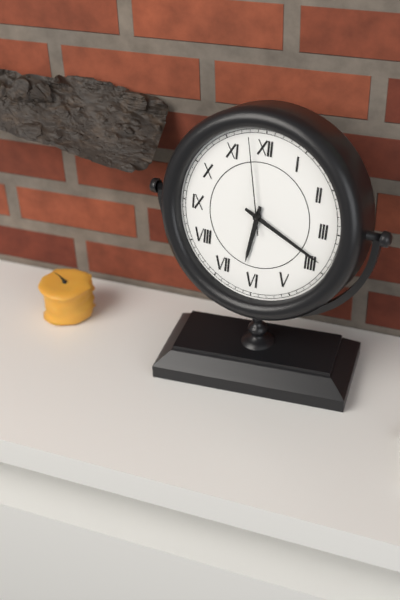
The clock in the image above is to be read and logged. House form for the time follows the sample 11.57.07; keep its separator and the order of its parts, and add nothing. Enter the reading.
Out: 6.19.58
